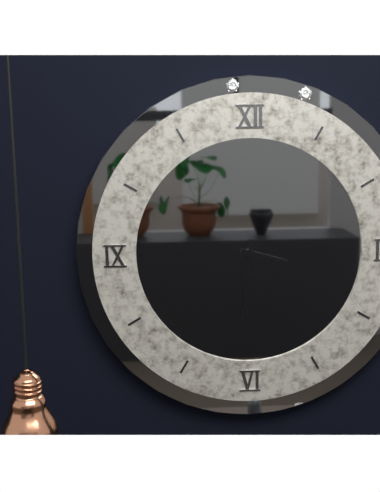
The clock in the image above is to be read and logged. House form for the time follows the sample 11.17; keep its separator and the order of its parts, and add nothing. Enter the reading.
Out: 3.31
